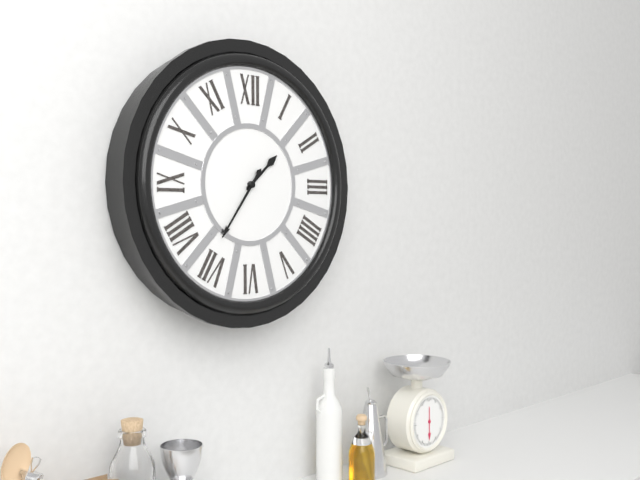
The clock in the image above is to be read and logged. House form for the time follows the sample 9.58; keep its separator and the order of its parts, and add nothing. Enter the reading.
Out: 1.36
